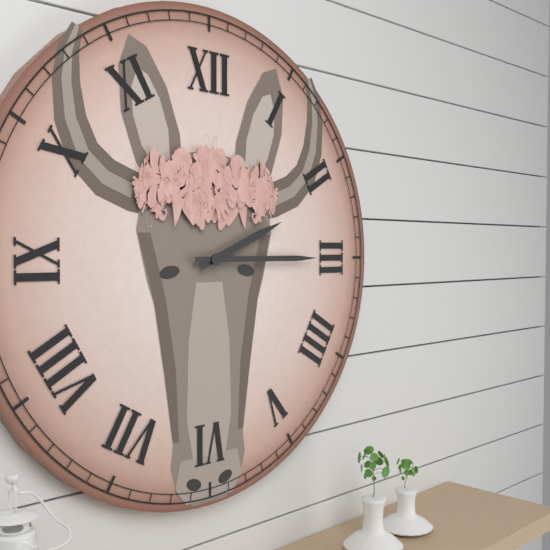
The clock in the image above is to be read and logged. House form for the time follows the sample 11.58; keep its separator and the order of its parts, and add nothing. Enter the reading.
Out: 2.15
